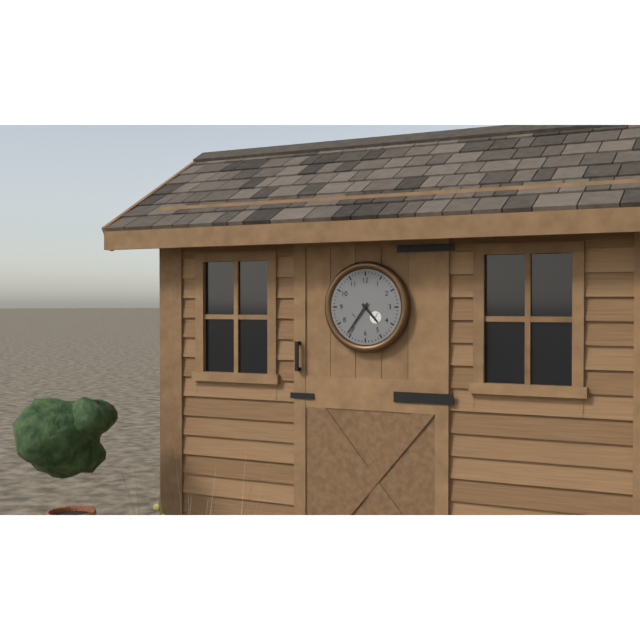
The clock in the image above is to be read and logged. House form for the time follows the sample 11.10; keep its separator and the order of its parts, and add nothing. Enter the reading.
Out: 4.36
